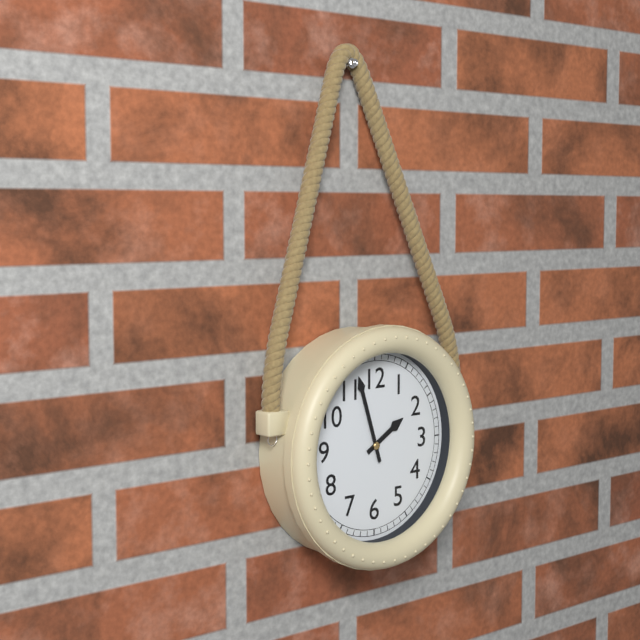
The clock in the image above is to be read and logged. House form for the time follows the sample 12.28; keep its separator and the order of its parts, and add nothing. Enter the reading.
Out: 1.57
